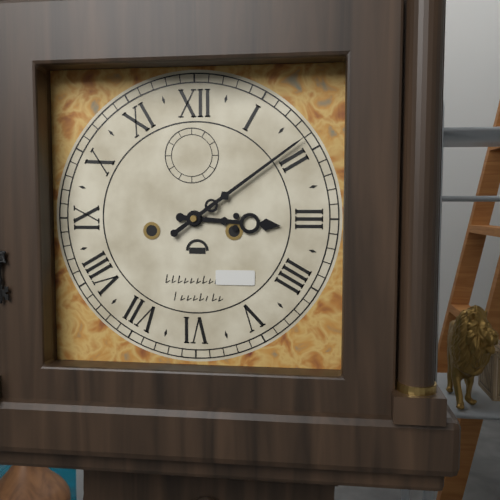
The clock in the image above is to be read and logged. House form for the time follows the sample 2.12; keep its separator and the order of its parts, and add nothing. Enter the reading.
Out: 3.09
